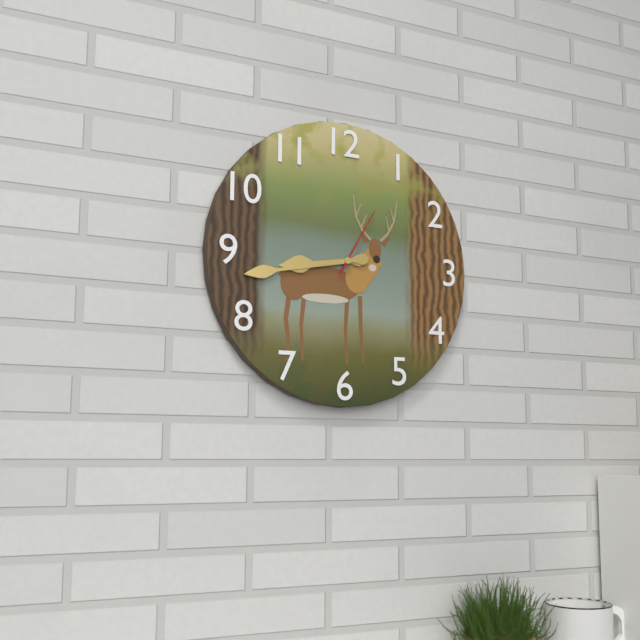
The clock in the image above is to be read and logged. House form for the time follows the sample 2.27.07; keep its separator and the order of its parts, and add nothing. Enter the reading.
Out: 8.43.05
